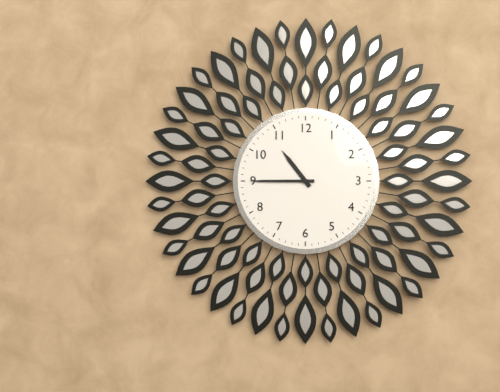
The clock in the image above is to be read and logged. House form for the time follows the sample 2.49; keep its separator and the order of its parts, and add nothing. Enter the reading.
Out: 10.45
